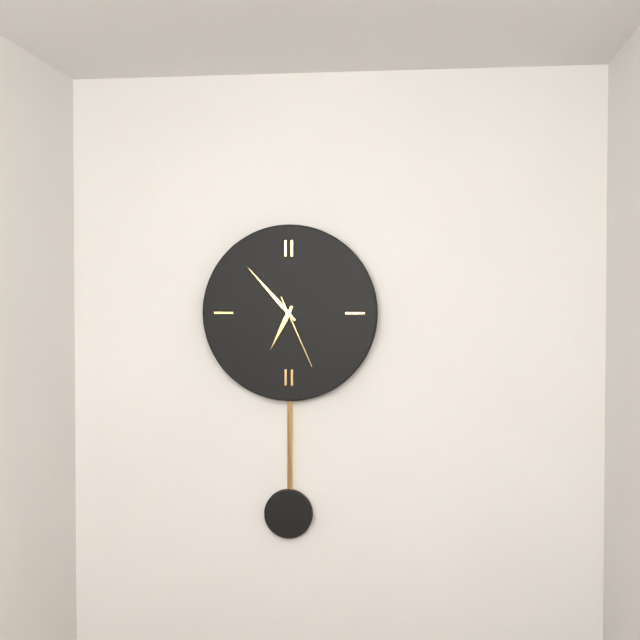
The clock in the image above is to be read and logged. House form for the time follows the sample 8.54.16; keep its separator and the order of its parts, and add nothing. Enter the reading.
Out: 6.53.26
